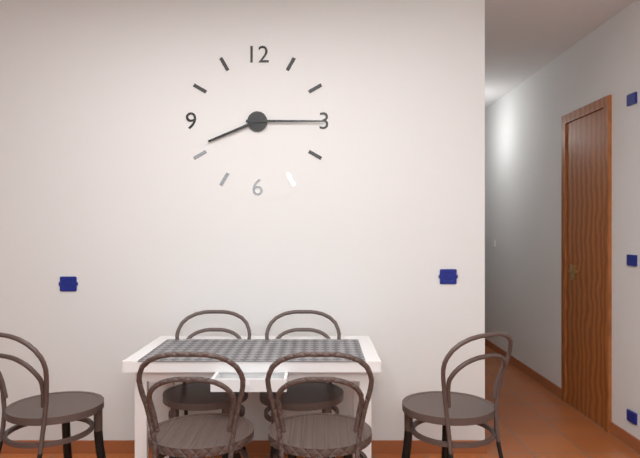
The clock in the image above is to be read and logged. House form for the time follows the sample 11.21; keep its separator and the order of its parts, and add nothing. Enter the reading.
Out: 8.15
